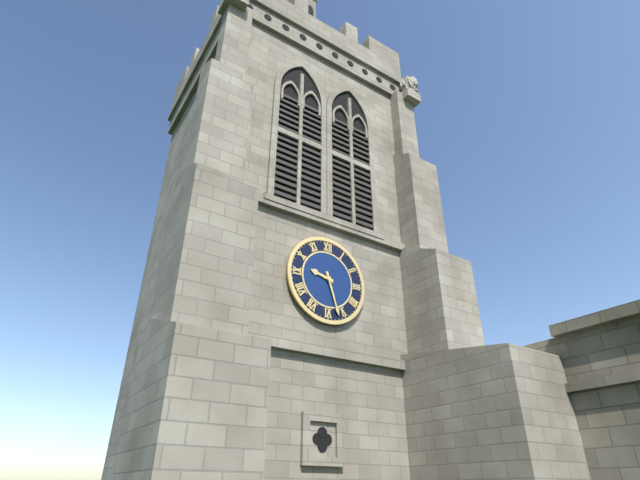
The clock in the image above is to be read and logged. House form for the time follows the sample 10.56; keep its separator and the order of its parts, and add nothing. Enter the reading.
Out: 9.27
